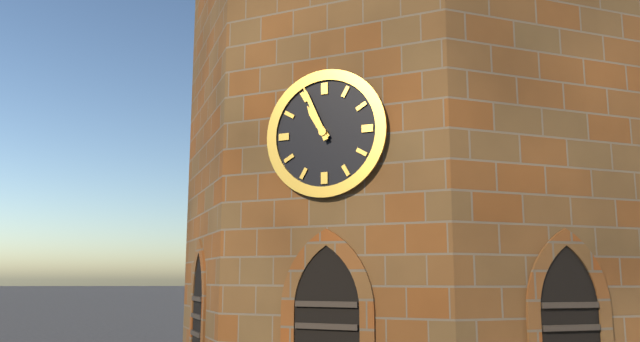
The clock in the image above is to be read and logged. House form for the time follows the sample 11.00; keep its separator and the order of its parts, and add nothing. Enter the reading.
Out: 10.56
